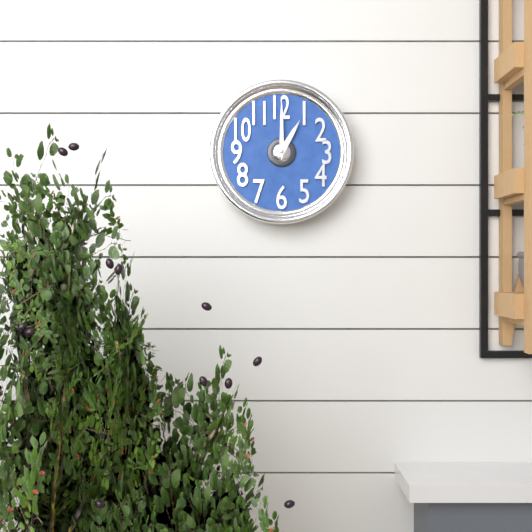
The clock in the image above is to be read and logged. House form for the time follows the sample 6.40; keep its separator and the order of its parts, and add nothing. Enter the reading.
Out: 1.00
